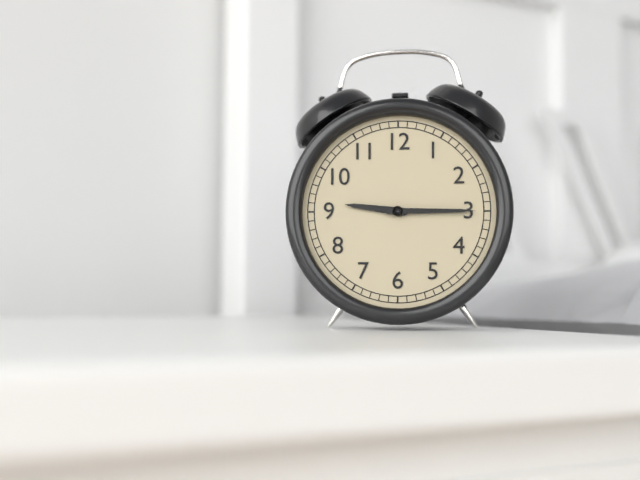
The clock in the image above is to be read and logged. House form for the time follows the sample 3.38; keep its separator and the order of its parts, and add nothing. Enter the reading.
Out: 9.15
